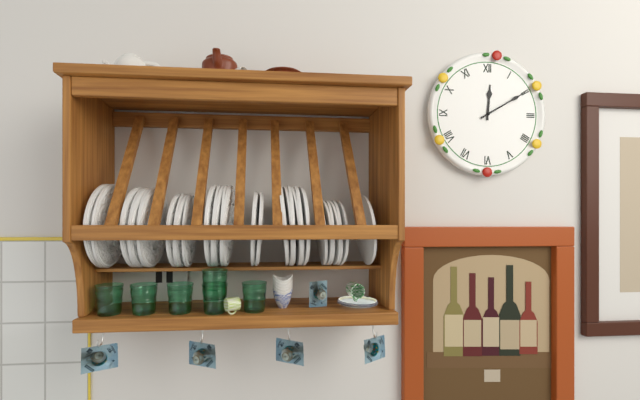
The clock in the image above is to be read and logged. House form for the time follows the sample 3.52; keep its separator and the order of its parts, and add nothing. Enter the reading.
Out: 12.10
